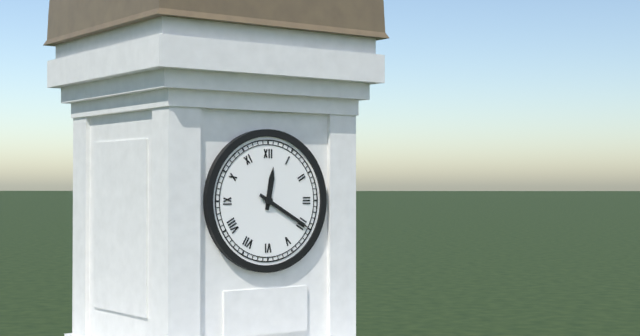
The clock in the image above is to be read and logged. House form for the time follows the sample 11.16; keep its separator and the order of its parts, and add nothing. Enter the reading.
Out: 12.20
